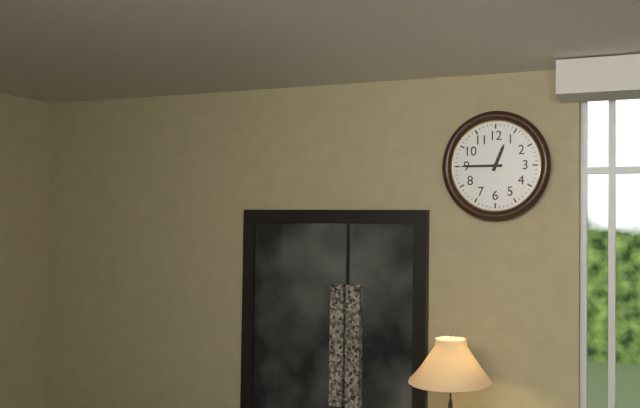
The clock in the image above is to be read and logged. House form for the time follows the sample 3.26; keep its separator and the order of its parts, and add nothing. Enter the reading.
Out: 12.45
